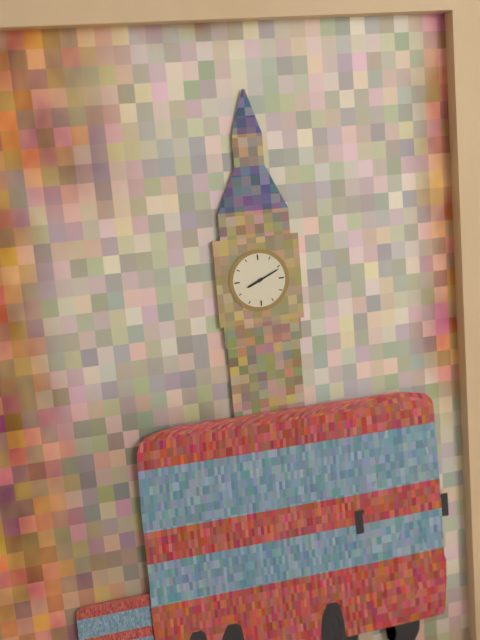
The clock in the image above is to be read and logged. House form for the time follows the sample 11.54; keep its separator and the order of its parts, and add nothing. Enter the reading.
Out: 8.11
